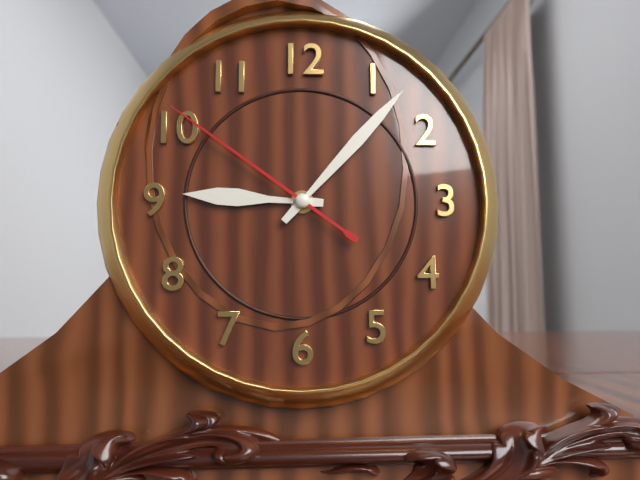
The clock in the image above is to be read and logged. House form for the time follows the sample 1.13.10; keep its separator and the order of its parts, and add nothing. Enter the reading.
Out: 9.07.51
